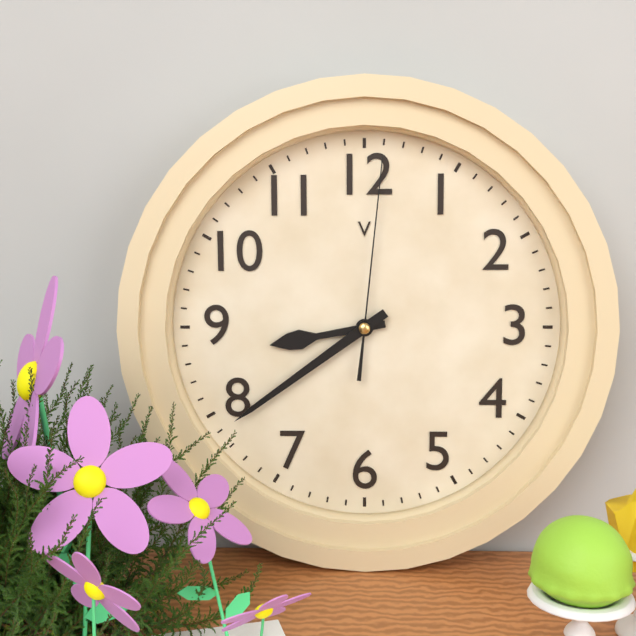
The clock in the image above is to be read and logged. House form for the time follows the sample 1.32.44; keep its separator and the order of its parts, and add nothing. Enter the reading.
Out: 8.39.01
